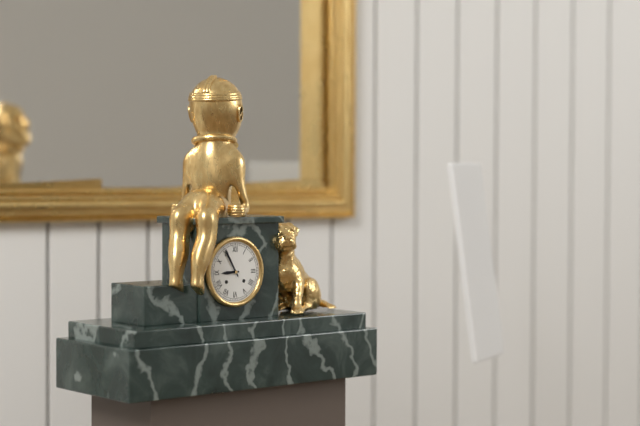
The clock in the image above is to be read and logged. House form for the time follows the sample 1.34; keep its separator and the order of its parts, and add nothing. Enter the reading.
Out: 8.55
